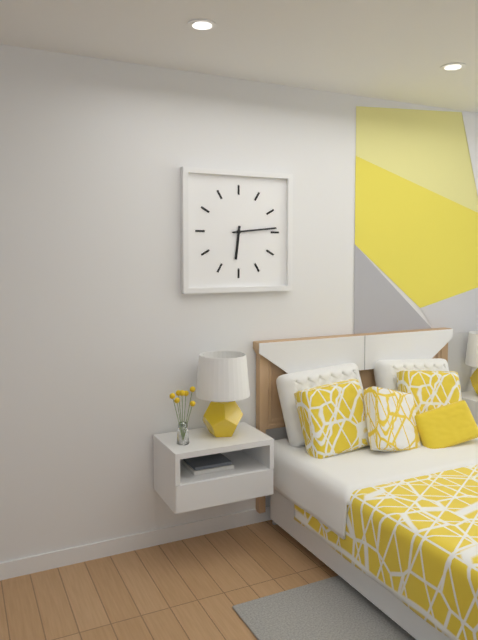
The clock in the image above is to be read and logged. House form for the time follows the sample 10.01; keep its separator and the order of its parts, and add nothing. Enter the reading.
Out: 6.14
